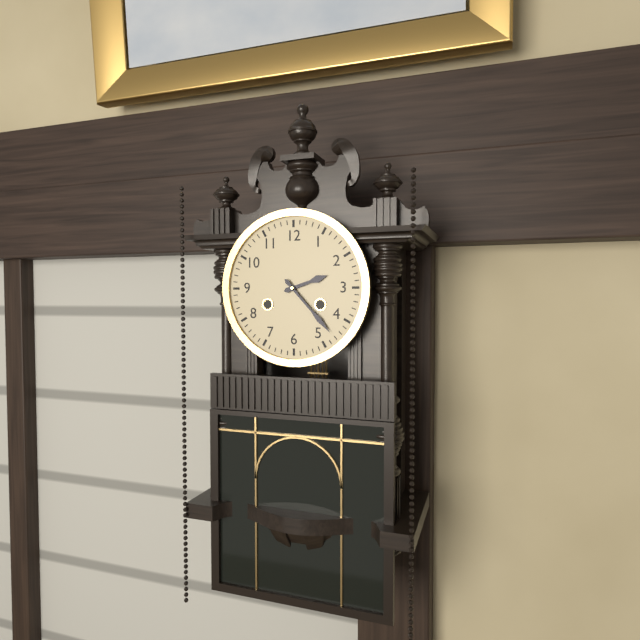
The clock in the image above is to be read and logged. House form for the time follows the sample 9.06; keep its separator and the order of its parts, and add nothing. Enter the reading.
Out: 2.23
